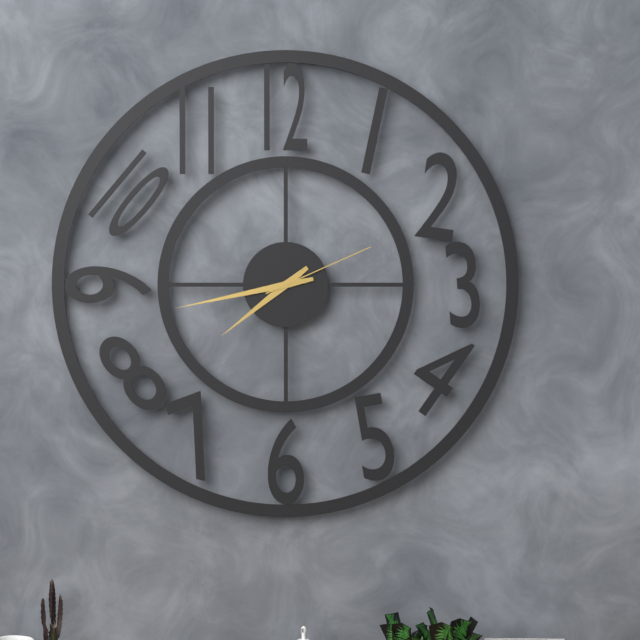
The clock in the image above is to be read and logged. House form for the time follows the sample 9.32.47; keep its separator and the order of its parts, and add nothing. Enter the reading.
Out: 7.43.11
